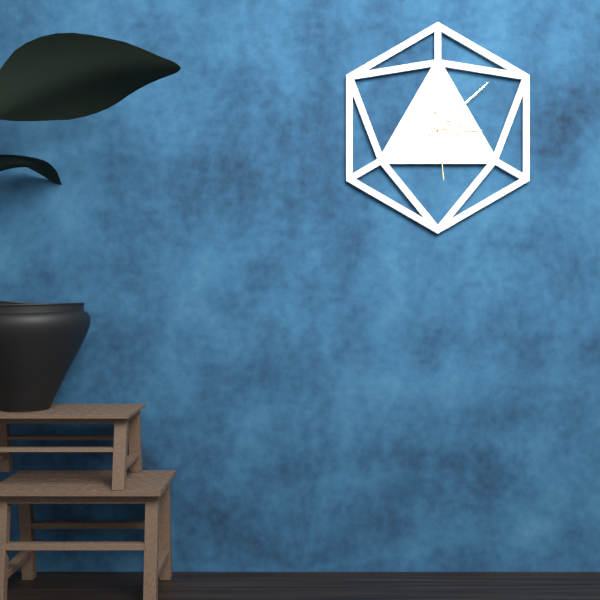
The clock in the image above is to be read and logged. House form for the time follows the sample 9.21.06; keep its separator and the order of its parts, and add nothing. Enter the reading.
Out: 3.08.29
